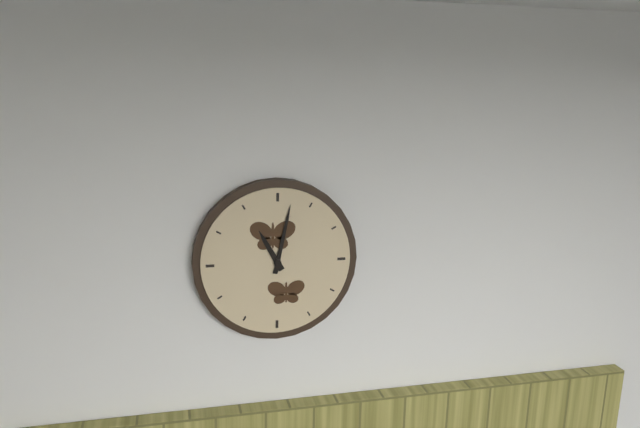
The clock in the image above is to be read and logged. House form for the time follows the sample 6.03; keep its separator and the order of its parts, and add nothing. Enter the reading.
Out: 11.02
